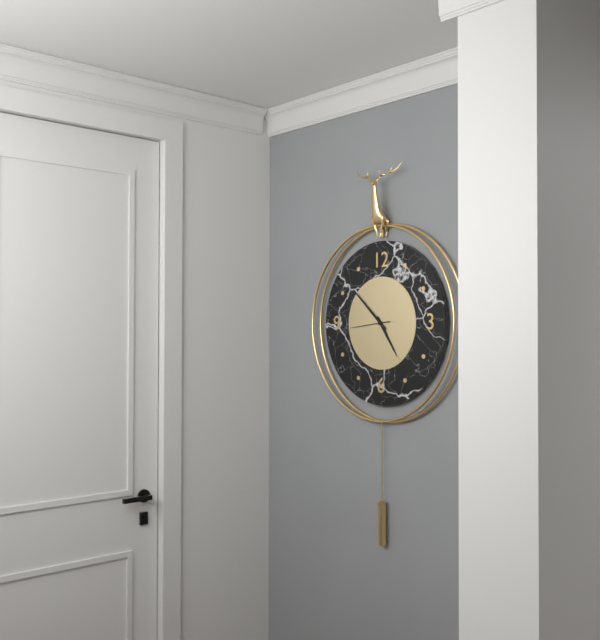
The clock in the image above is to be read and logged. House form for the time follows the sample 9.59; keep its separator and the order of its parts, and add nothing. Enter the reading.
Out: 4.52
